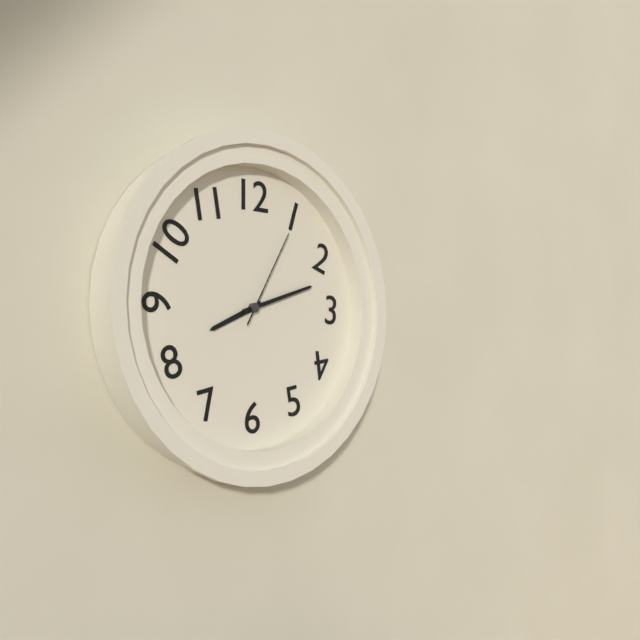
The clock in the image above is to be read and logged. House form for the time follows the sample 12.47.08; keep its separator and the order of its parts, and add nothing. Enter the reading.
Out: 8.12.05
